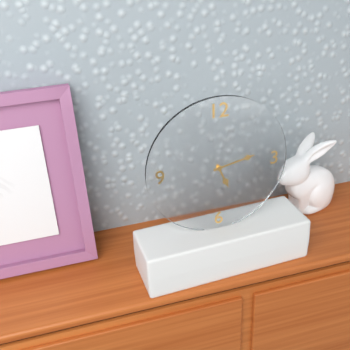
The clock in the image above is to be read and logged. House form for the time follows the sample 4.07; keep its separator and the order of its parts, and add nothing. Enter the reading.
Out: 5.13
